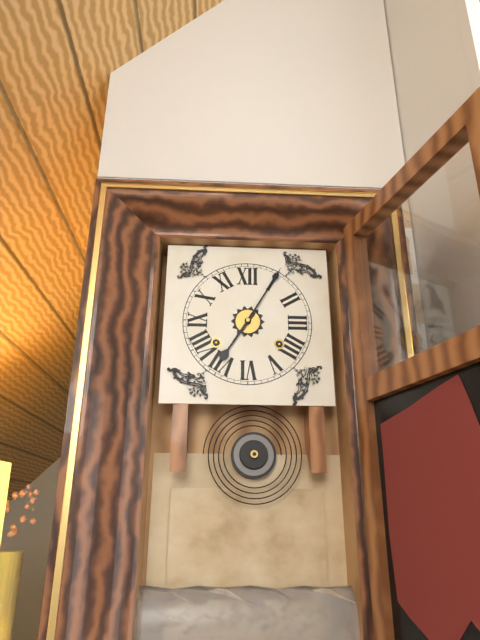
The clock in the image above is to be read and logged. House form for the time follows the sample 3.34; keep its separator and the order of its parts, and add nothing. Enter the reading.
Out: 7.05
